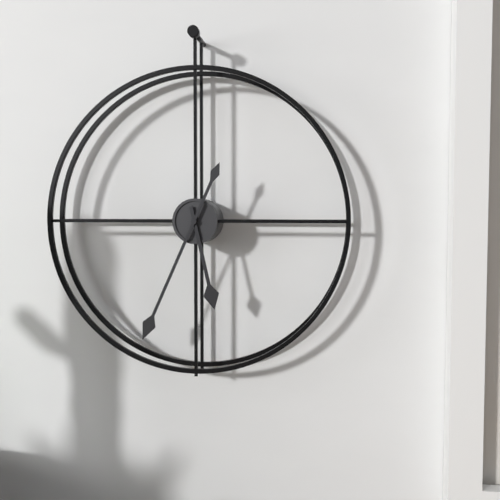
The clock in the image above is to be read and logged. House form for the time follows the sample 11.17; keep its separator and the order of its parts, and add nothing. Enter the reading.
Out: 5.34
